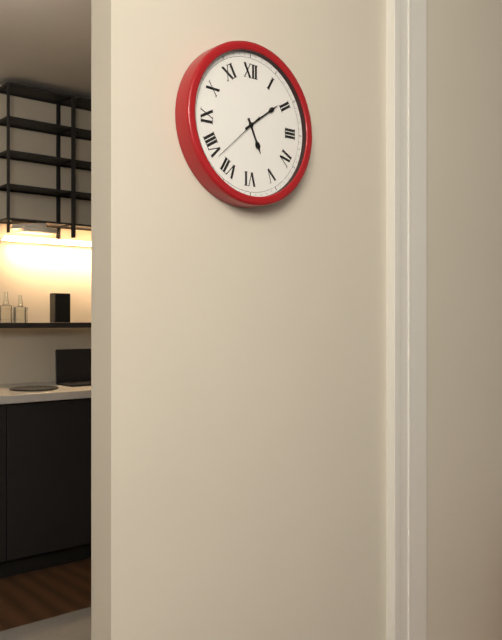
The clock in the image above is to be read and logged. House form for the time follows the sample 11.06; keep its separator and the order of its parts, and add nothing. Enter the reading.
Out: 5.09
